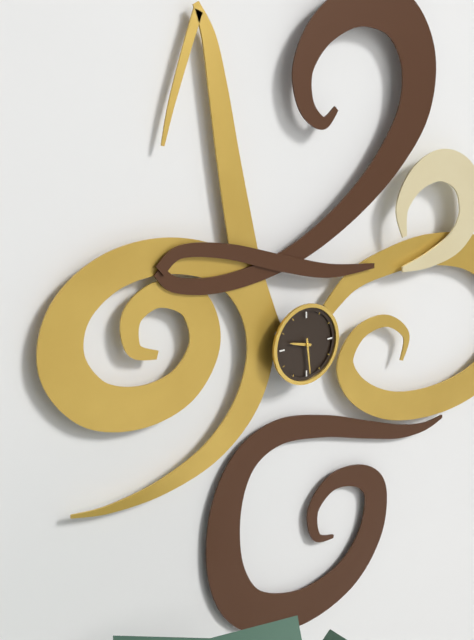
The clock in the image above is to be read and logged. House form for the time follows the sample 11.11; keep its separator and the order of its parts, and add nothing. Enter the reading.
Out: 9.29
